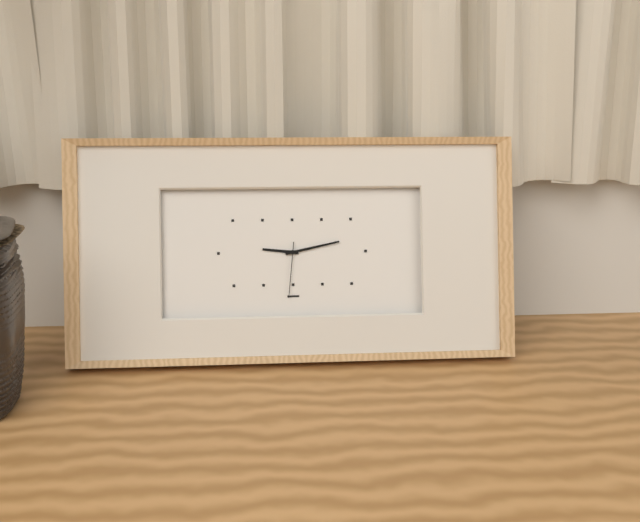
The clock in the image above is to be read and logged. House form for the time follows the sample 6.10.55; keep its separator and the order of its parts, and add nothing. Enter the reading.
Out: 9.13.31
